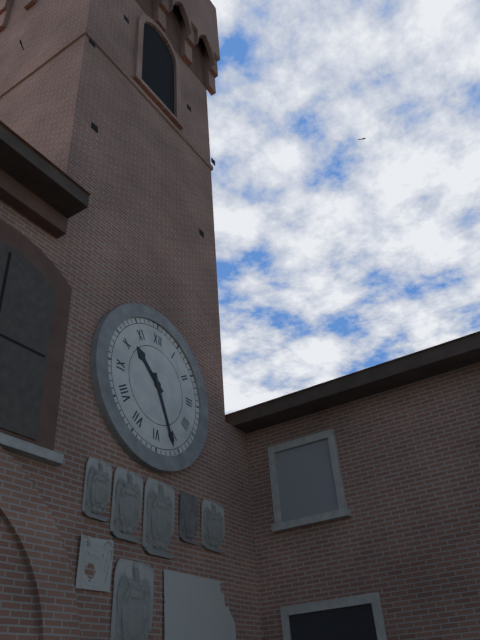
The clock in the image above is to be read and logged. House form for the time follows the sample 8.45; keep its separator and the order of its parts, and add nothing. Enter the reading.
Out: 10.26
